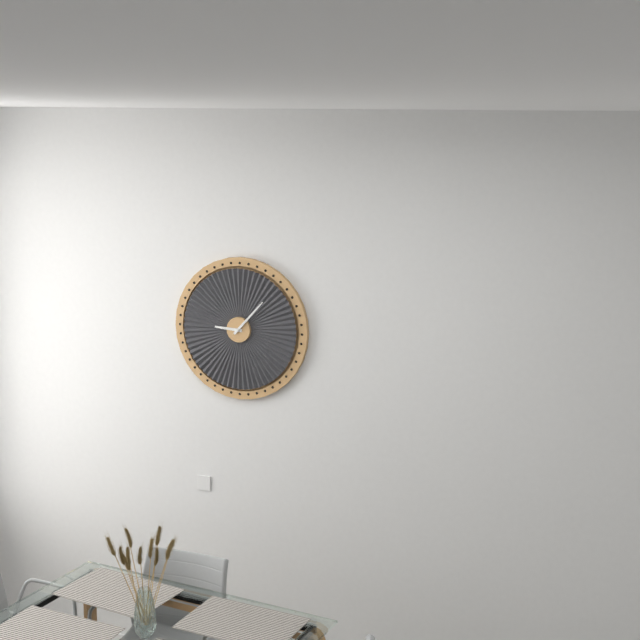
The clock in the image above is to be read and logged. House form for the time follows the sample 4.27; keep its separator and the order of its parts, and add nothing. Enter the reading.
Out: 9.07
